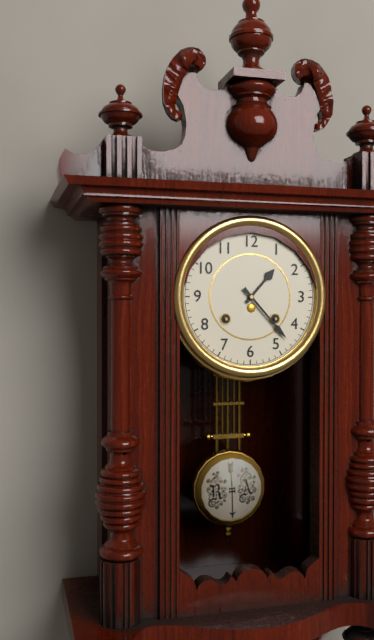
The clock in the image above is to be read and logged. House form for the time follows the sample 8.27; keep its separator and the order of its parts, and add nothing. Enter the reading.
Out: 1.23
